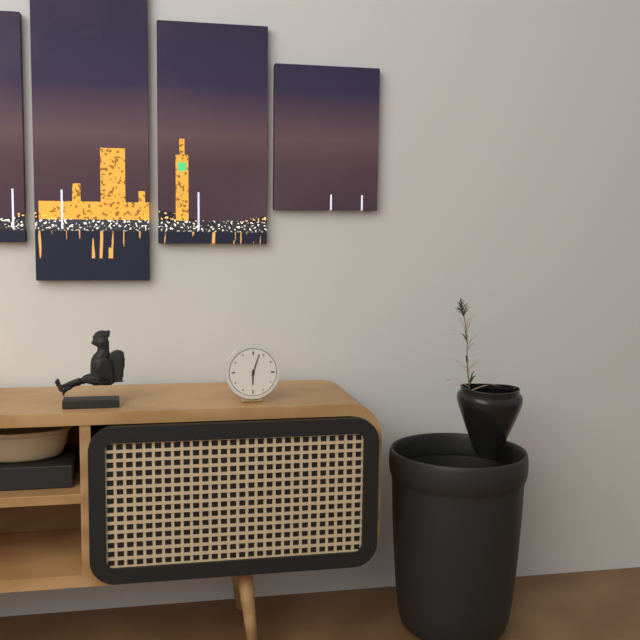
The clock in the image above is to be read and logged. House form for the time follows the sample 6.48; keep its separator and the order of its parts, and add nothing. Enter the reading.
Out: 6.03
